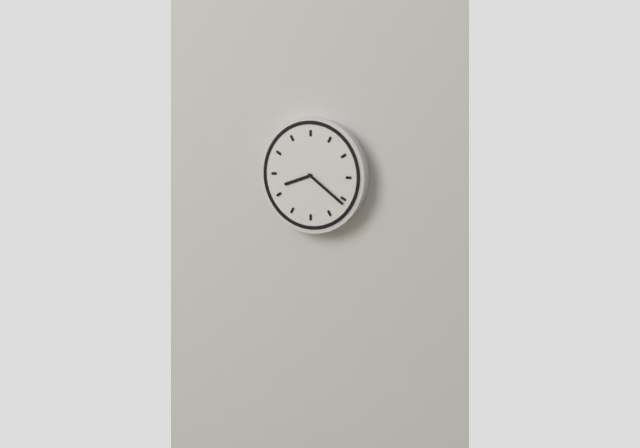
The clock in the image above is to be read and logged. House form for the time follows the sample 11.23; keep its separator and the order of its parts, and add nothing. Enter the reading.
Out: 8.21
